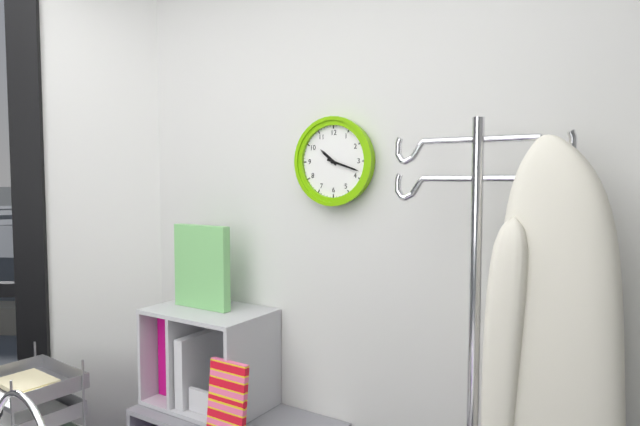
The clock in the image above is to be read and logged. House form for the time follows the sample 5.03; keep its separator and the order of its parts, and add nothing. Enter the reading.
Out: 10.18
